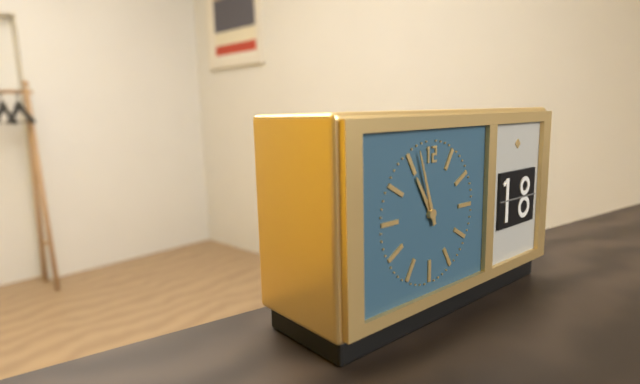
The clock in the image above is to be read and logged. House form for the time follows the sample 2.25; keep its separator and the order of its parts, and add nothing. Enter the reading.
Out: 10.57
